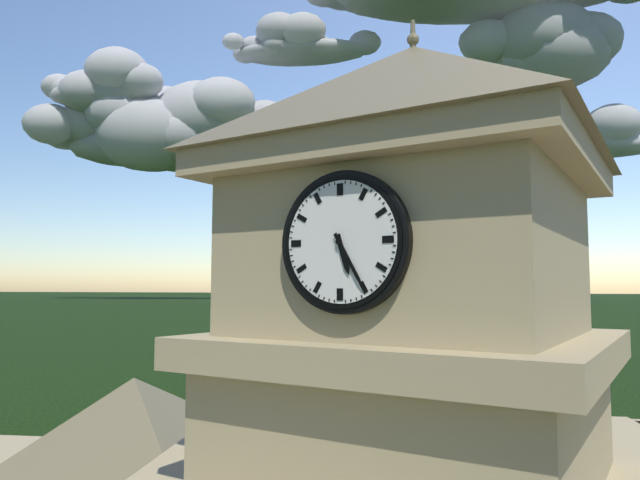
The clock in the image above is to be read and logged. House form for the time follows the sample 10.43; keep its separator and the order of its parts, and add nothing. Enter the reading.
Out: 5.25
